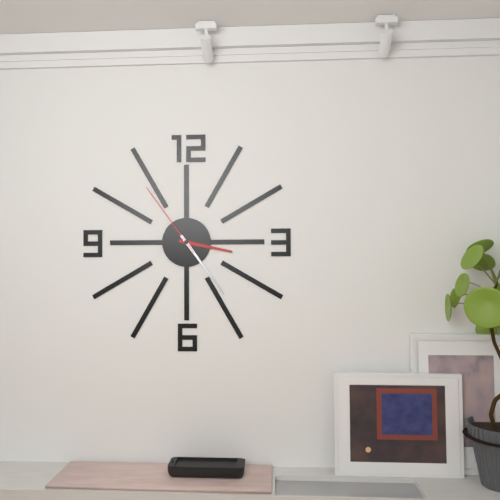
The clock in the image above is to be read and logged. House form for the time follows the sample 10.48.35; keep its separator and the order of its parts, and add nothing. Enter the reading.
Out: 3.24.54
